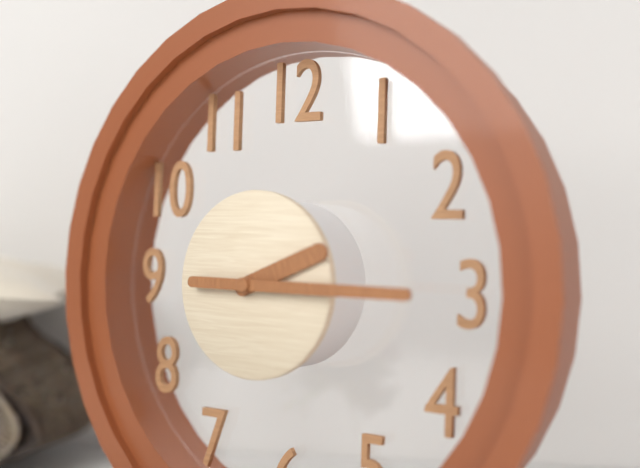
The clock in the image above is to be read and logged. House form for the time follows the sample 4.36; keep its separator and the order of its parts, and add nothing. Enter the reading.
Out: 2.15
